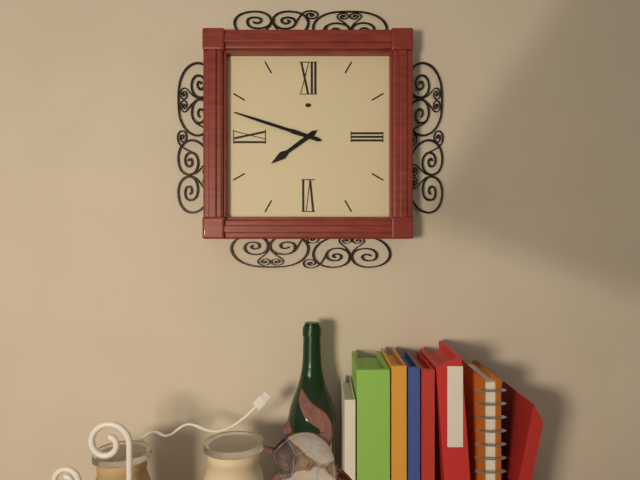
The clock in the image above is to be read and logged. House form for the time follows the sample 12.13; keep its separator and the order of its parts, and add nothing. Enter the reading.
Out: 7.48
